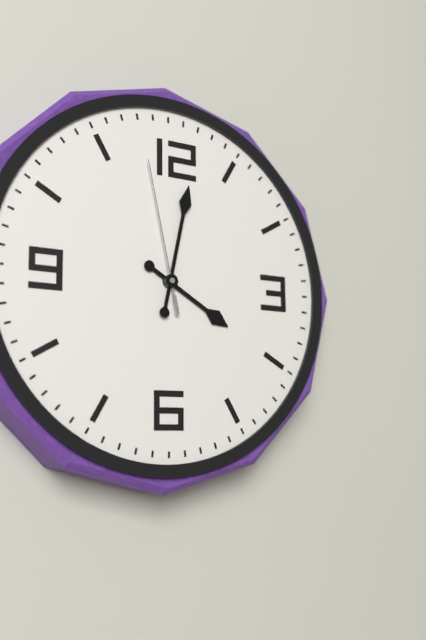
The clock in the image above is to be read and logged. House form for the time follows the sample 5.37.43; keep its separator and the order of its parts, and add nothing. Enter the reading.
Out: 4.02.58
